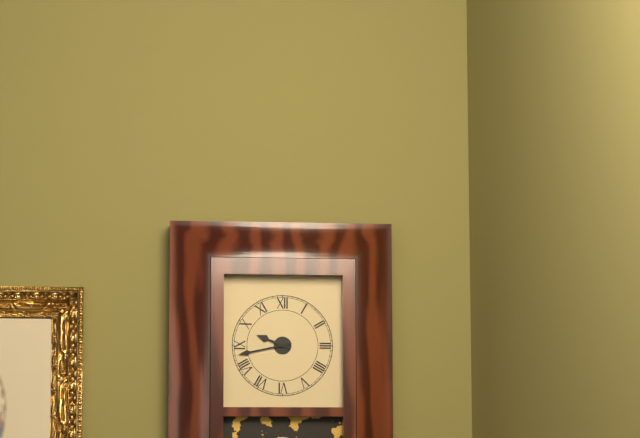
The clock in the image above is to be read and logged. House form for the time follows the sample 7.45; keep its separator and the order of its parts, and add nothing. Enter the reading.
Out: 9.43
